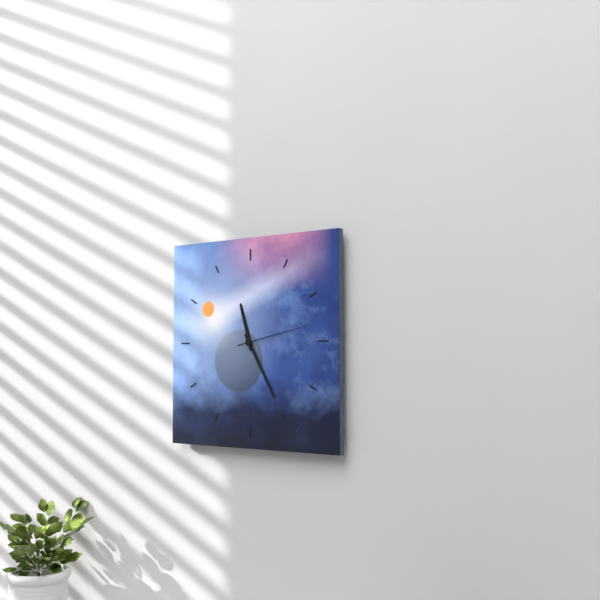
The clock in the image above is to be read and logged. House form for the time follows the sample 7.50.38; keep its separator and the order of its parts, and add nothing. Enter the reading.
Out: 11.25.13
